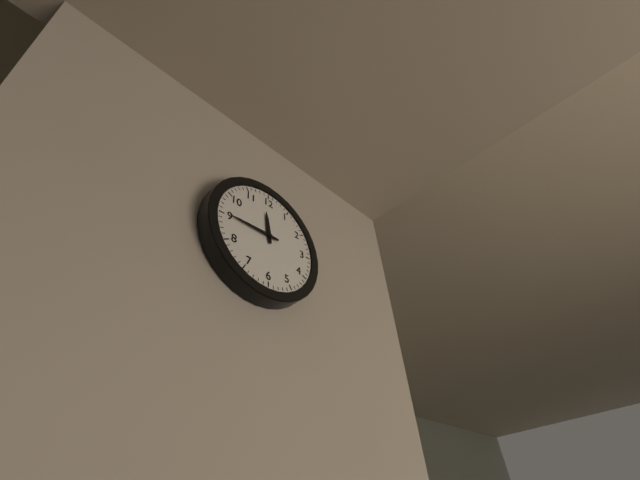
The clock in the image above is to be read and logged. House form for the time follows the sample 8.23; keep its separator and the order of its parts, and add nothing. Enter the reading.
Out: 11.45
